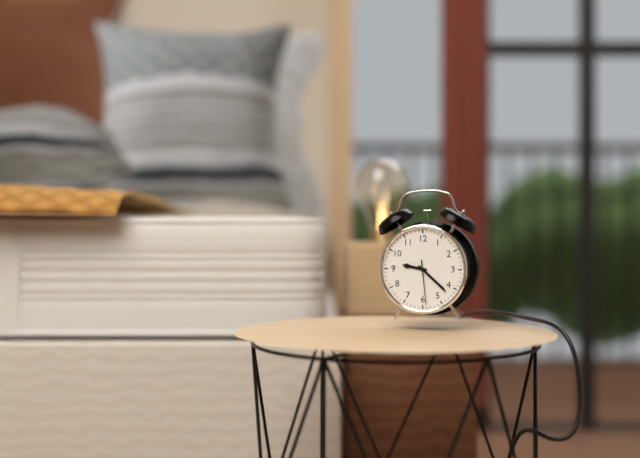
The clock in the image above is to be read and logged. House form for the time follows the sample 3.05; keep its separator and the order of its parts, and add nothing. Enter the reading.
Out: 9.22
